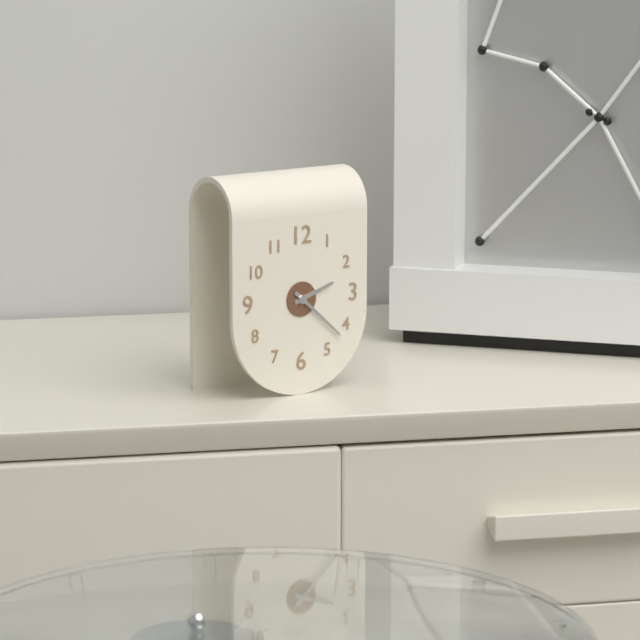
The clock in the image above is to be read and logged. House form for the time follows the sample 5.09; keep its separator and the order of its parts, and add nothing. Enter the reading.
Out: 2.22
